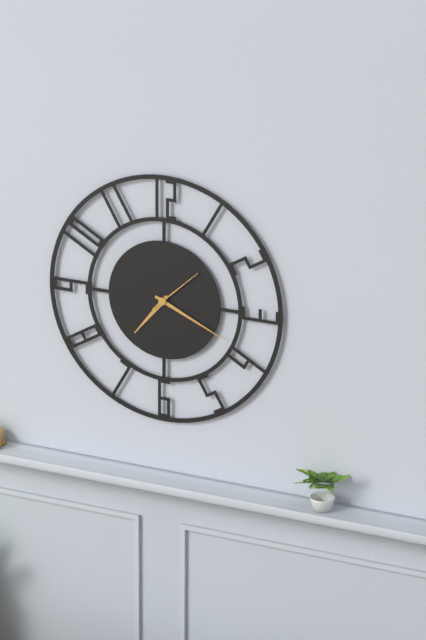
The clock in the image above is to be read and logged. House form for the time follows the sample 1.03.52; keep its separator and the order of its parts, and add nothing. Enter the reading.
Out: 7.19.08
